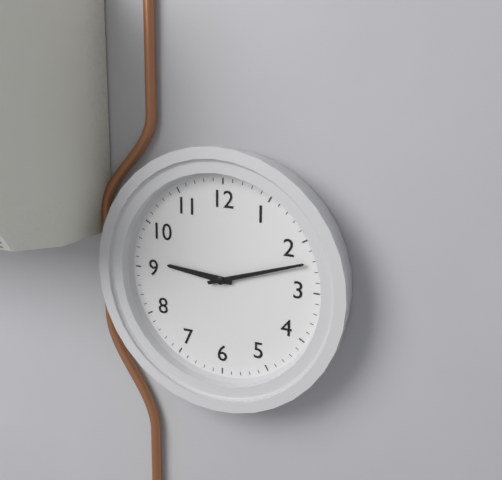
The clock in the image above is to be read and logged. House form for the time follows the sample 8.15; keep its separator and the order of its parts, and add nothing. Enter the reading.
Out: 9.12
